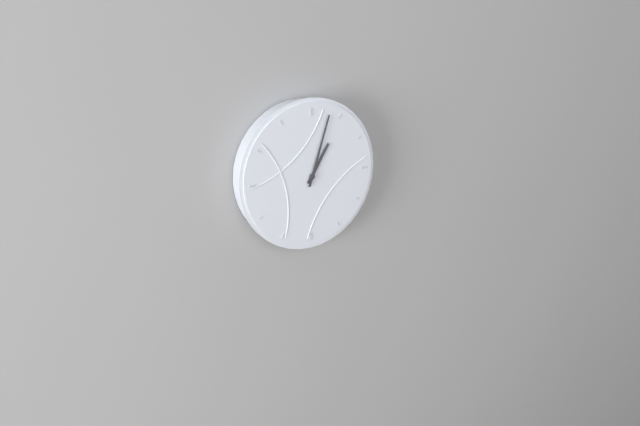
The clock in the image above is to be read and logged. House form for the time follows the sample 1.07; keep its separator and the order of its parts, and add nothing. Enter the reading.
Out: 1.03
